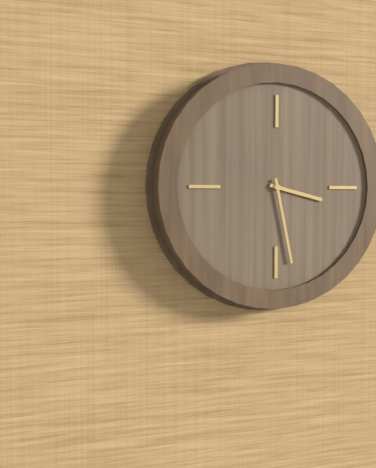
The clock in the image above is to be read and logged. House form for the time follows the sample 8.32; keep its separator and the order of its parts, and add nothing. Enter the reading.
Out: 3.28
